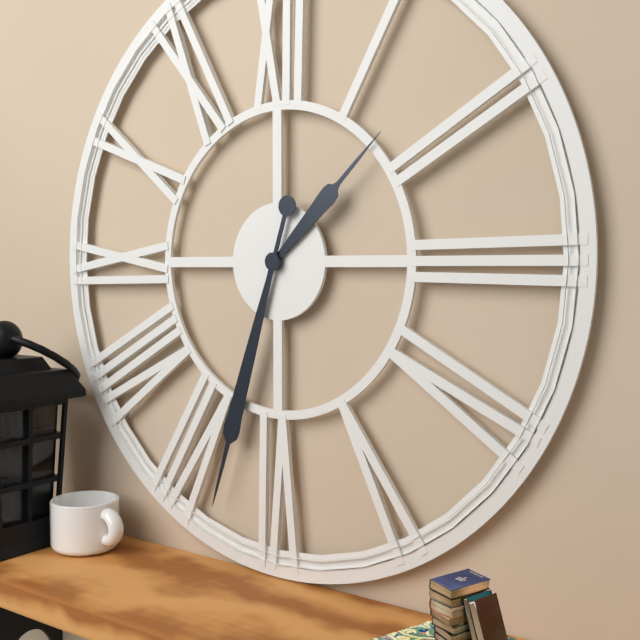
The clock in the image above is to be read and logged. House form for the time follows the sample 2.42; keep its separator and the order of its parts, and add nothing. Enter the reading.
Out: 1.33
